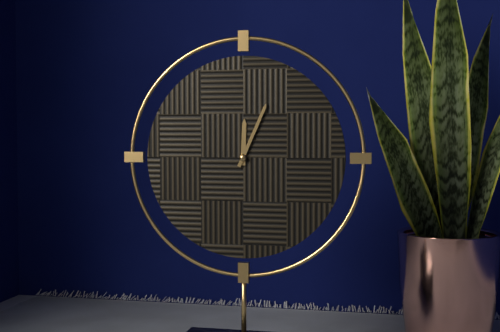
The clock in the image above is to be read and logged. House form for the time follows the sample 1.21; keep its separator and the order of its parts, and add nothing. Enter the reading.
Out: 12.04
